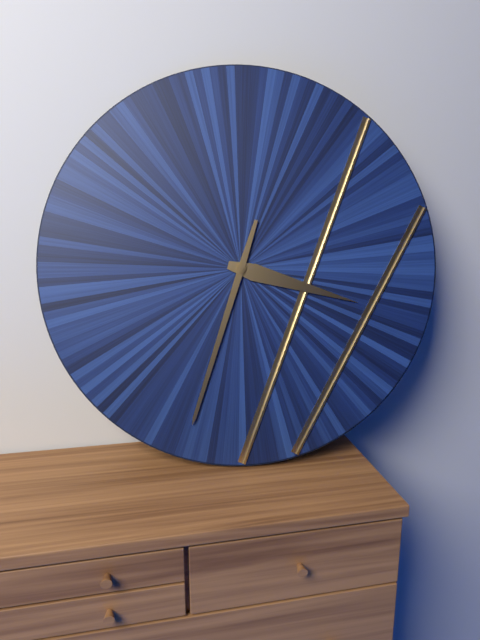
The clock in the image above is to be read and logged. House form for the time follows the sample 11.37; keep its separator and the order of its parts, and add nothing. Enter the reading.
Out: 3.33
